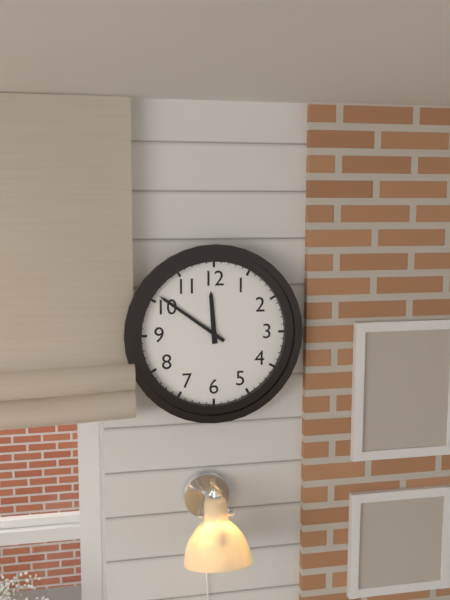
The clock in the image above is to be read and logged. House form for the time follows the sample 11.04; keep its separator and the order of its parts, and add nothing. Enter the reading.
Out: 11.51
